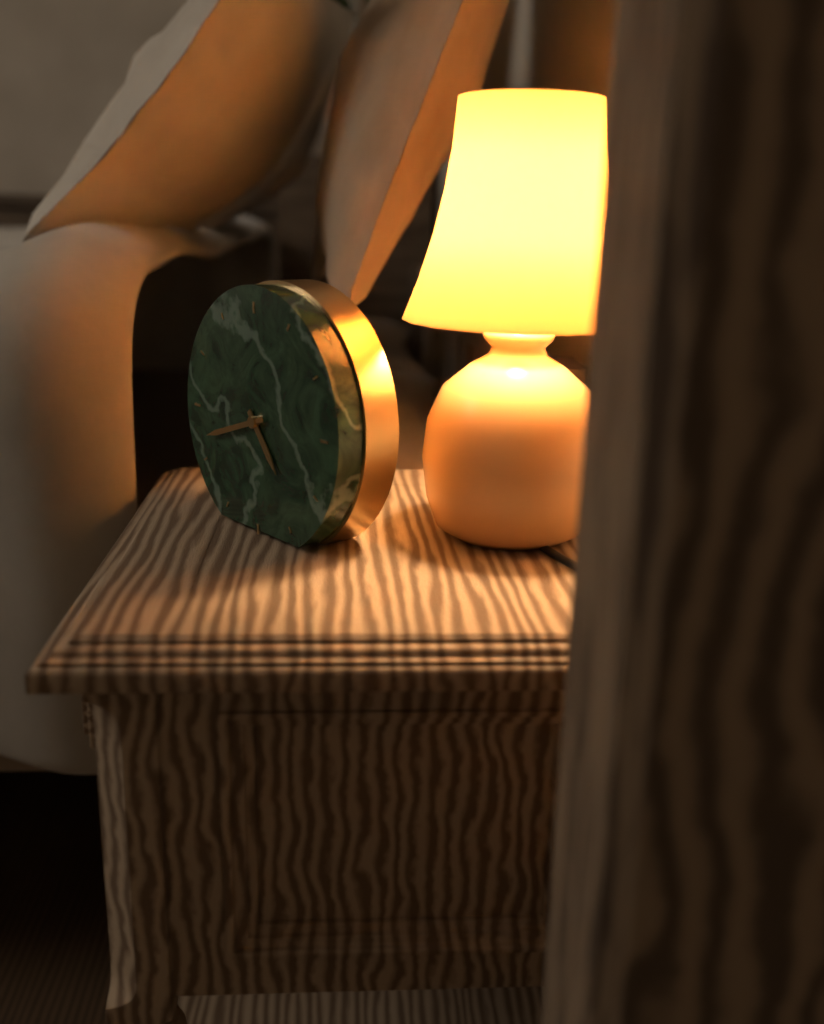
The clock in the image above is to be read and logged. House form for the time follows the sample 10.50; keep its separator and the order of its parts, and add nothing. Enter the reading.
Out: 4.42
